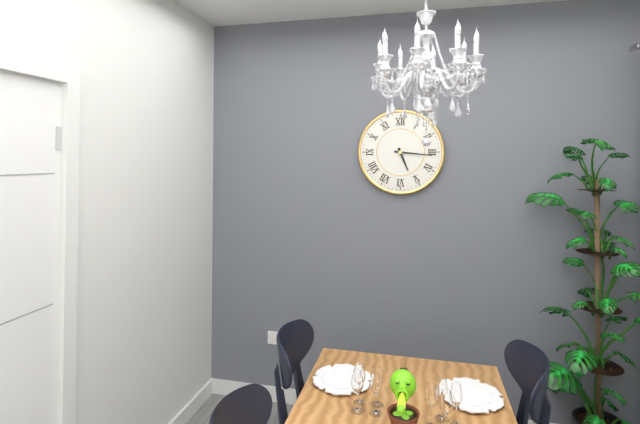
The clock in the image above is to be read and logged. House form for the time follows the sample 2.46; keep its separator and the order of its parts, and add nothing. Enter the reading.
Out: 5.16
